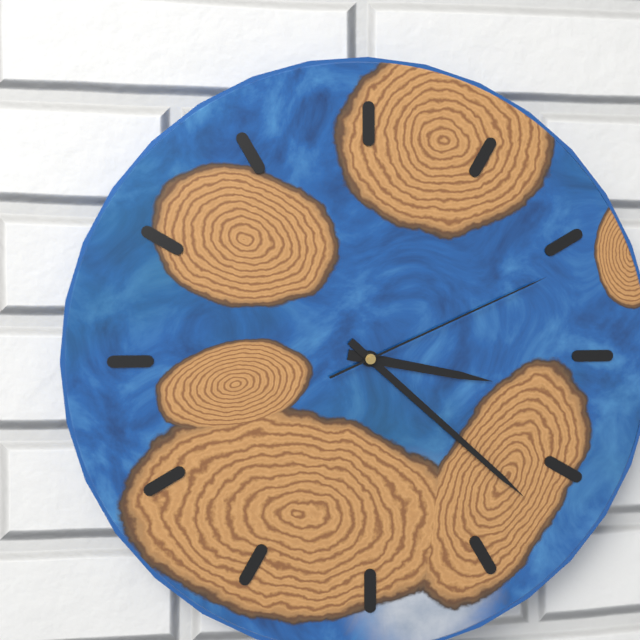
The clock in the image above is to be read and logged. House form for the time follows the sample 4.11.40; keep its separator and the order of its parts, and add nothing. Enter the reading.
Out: 3.22.11
